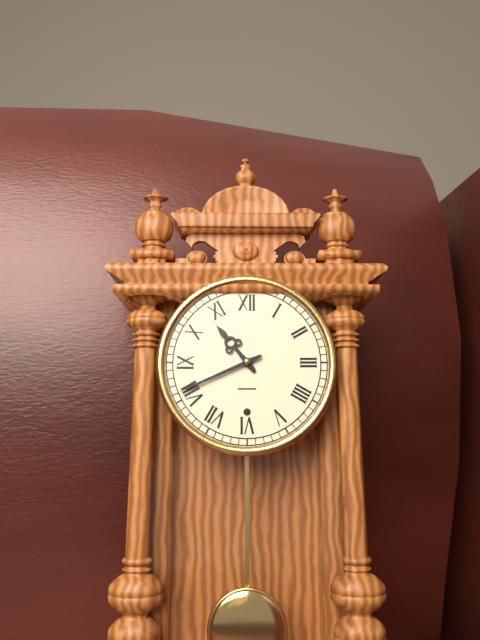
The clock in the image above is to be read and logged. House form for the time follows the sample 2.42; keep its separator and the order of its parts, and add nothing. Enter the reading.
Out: 10.41
